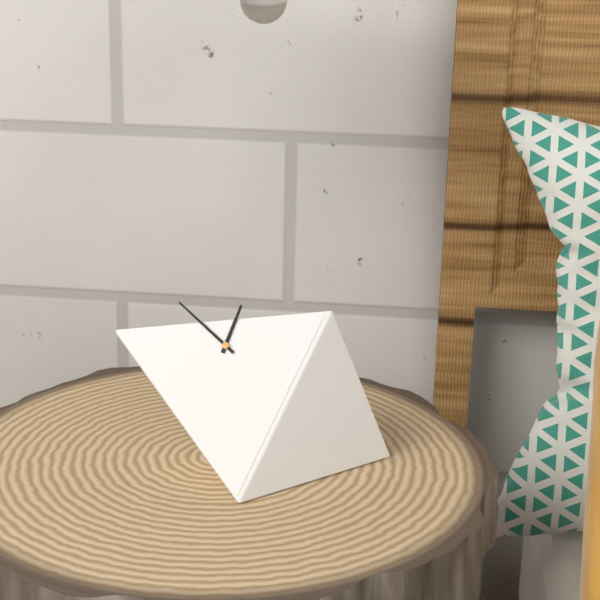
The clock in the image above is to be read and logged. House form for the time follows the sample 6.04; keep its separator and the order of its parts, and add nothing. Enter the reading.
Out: 12.53
